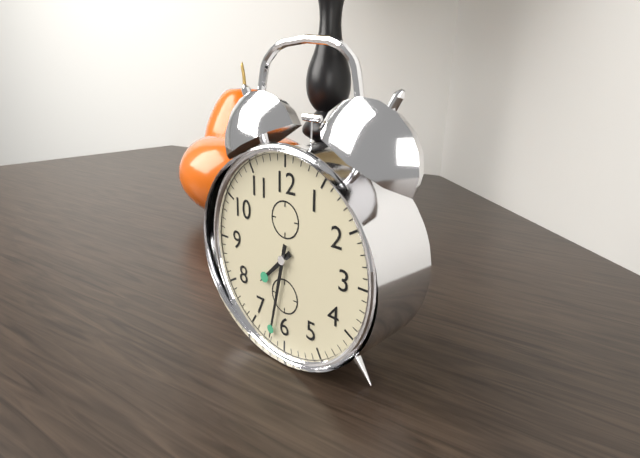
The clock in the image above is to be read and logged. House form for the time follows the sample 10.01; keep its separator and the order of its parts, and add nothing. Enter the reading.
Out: 7.32
